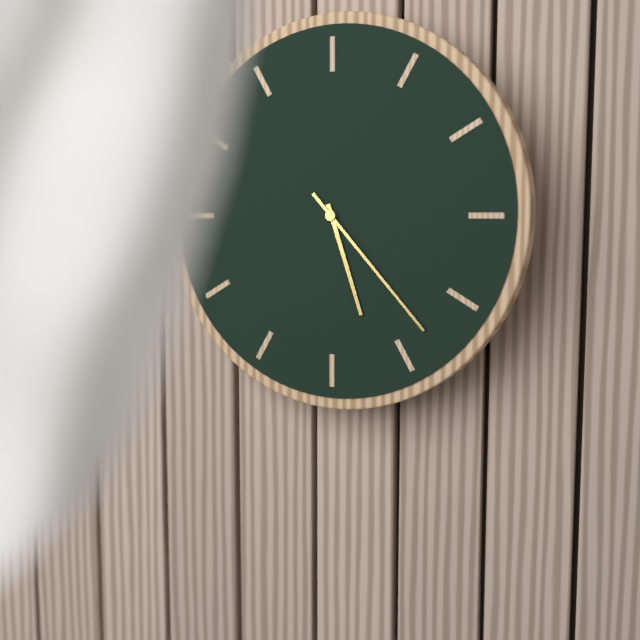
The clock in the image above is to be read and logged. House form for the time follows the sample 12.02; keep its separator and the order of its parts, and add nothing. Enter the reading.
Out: 5.23
